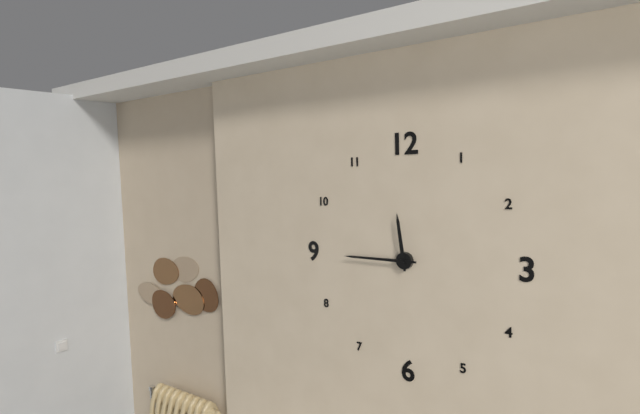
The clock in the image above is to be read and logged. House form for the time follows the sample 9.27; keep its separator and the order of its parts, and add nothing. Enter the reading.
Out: 11.45
